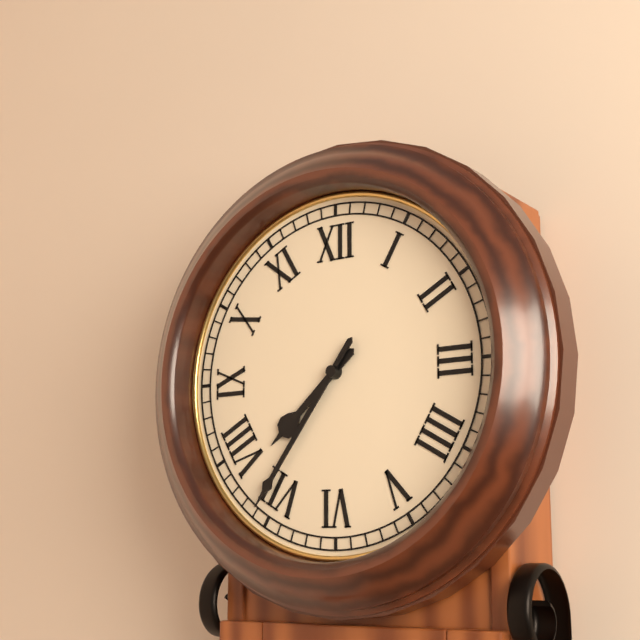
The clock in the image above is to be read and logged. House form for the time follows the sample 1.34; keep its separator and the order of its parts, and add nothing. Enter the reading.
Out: 7.36
